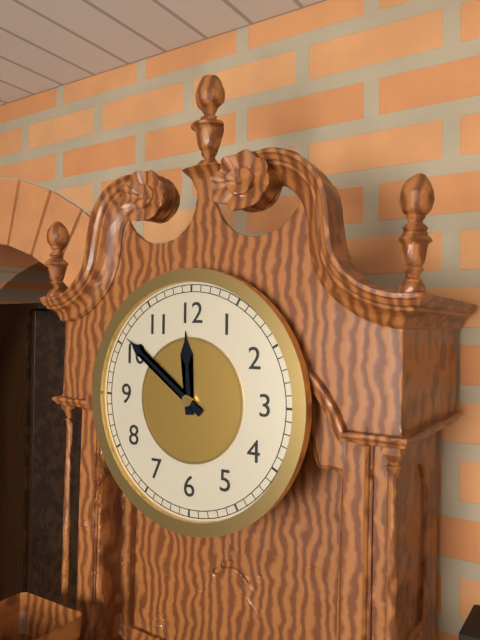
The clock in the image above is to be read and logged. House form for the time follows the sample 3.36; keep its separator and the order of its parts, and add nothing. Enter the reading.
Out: 11.51
